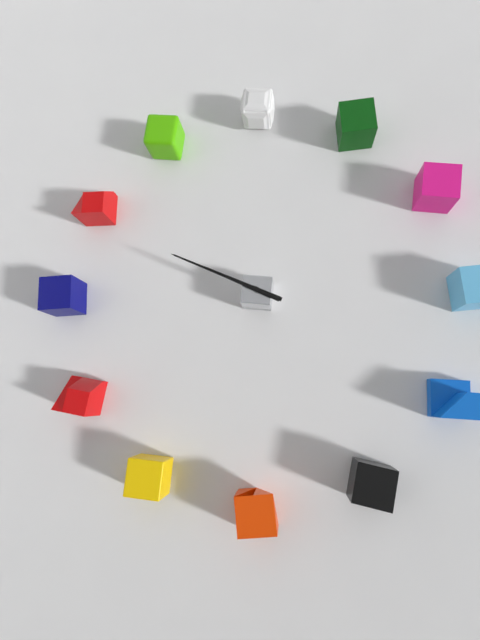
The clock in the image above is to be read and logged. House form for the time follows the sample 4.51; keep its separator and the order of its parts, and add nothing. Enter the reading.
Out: 9.49
